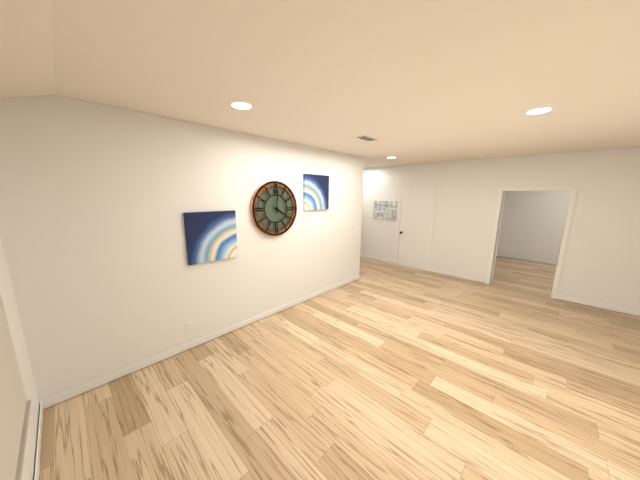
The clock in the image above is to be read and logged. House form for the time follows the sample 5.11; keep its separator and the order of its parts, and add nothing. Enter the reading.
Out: 4.01
